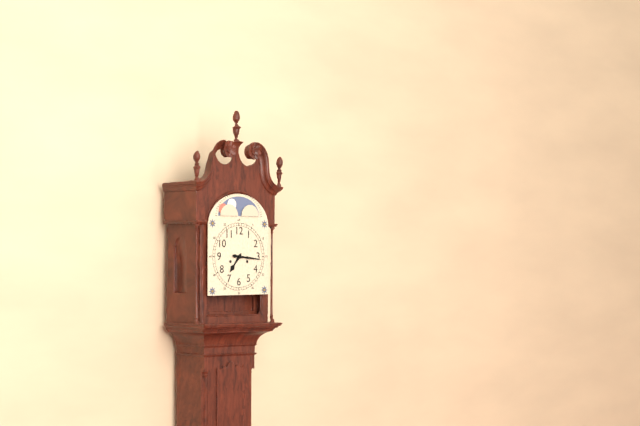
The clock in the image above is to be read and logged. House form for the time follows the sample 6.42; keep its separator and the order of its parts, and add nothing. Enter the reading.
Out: 7.16
